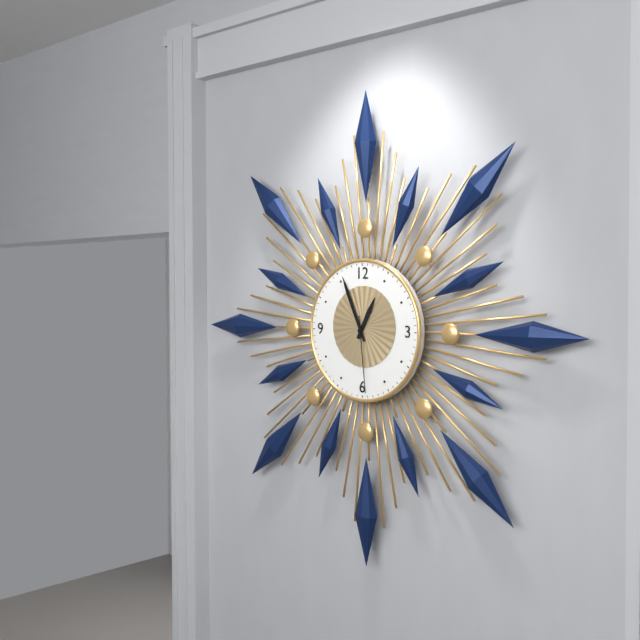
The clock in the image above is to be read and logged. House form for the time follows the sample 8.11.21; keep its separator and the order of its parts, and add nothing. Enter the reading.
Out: 12.56.29
